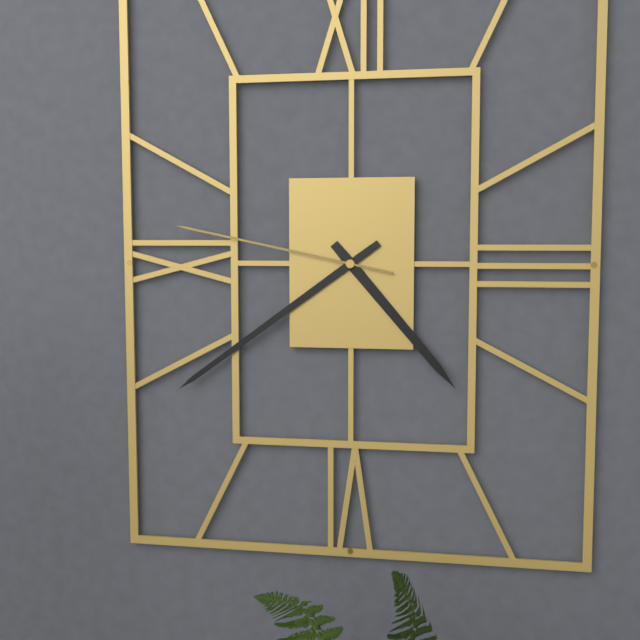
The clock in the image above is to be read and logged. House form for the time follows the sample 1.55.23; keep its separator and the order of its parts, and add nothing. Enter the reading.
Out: 4.39.47
